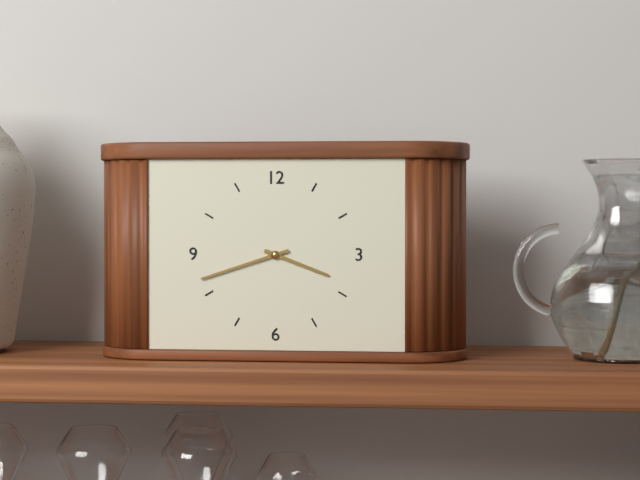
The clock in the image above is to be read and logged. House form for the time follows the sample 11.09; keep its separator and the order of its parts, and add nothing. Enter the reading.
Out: 3.42
